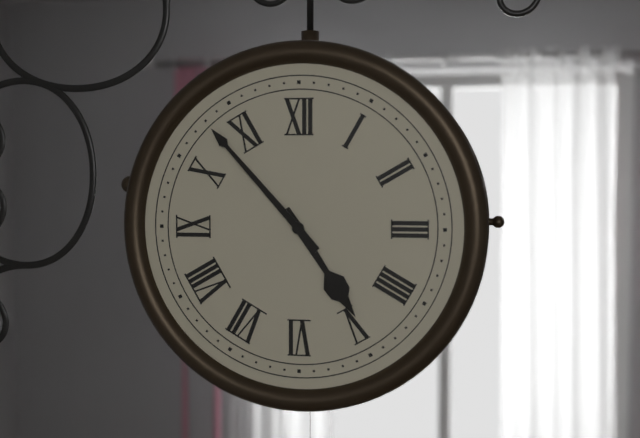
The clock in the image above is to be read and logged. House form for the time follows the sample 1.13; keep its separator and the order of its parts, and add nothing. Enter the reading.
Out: 4.53
